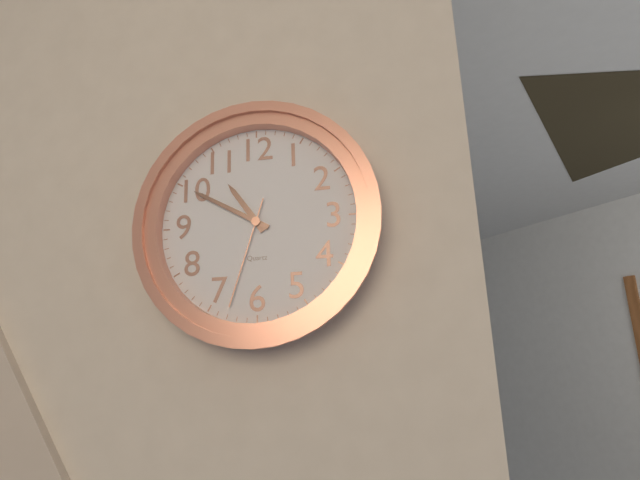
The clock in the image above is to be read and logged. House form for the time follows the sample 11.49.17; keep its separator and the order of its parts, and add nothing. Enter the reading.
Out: 10.50.33
